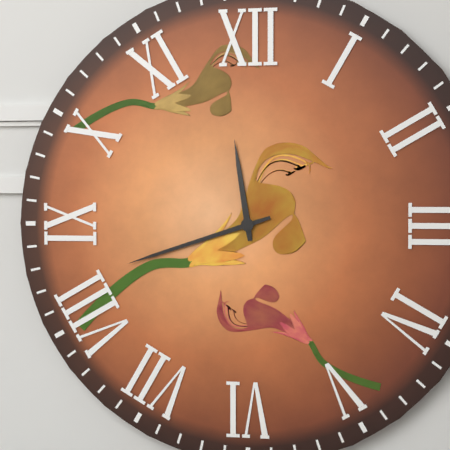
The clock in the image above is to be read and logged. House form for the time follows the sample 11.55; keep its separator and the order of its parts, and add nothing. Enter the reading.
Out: 11.42
